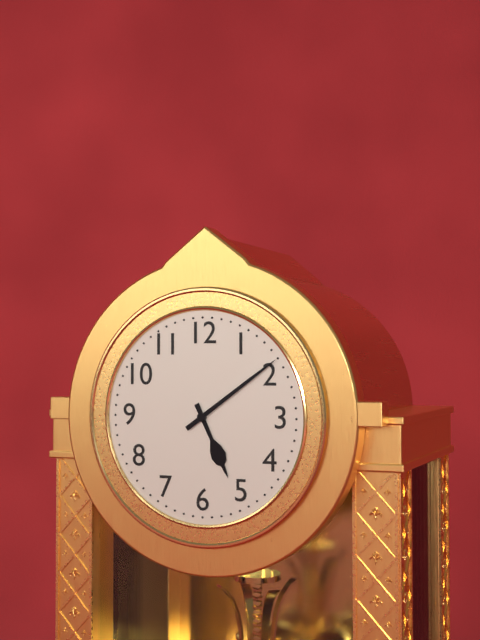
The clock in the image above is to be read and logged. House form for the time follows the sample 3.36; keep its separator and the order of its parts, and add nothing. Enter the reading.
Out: 5.09
